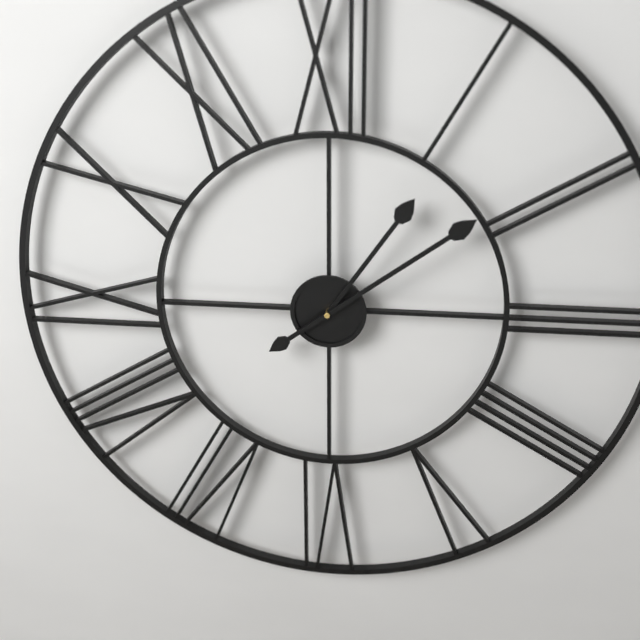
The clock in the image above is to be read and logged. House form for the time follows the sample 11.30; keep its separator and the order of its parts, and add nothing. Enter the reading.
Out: 1.09
